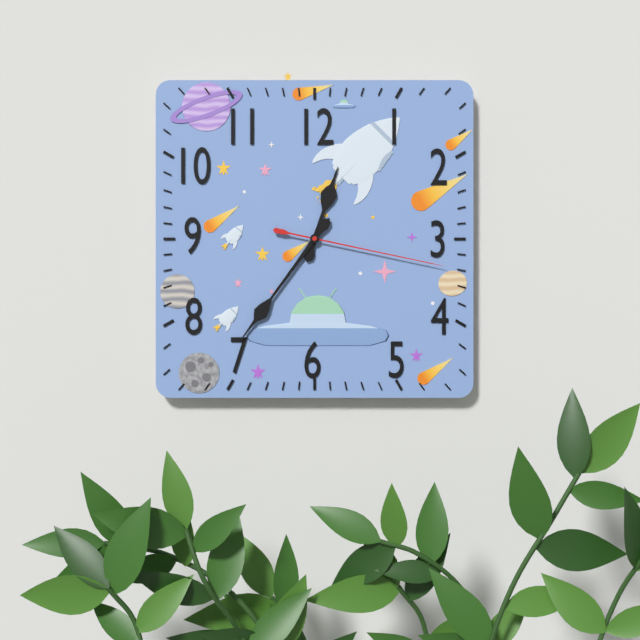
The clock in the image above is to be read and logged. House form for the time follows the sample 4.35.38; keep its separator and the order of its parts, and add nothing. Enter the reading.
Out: 12.36.17
